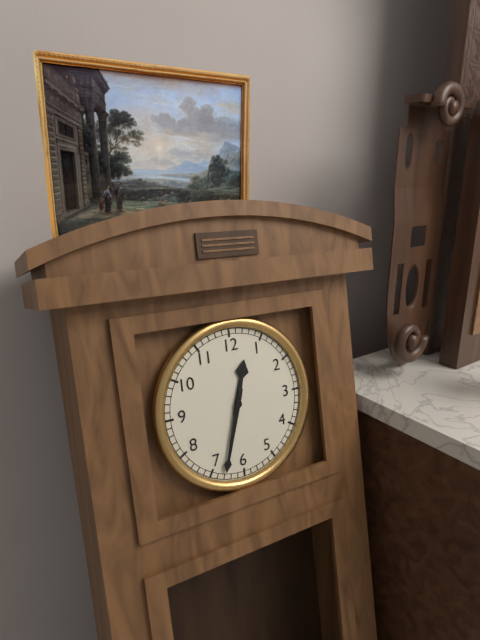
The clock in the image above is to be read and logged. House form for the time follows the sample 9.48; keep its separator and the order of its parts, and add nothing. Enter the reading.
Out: 12.33
